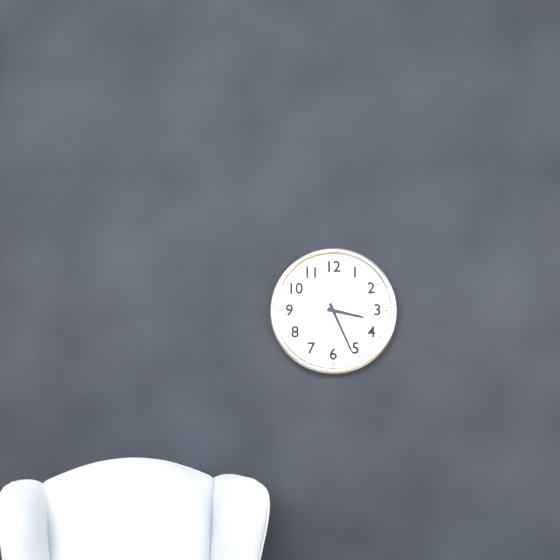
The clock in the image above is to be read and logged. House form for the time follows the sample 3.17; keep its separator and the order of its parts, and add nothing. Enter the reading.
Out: 3.26
